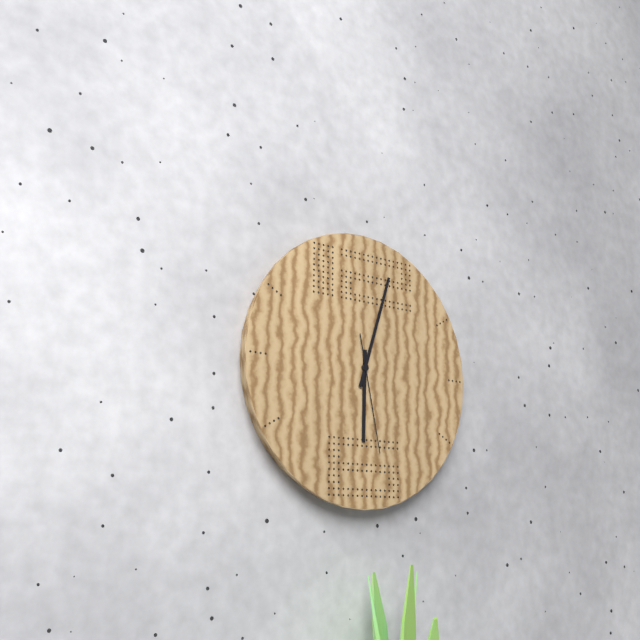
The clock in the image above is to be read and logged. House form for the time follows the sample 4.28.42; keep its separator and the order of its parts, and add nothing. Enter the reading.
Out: 6.03.28
